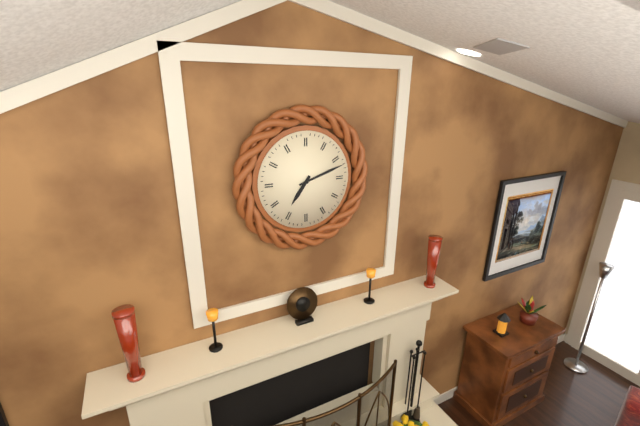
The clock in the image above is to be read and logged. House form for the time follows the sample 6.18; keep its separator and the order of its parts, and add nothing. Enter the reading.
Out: 7.12
